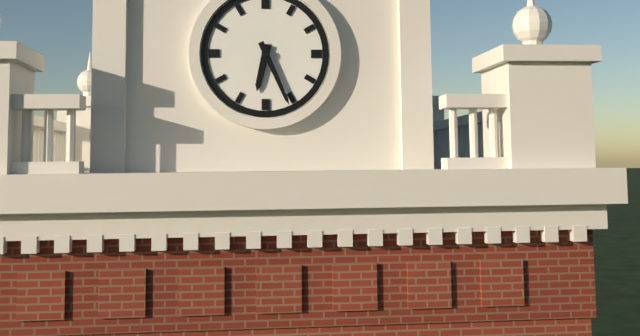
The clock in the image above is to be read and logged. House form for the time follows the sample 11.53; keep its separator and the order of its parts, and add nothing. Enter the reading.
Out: 6.26
